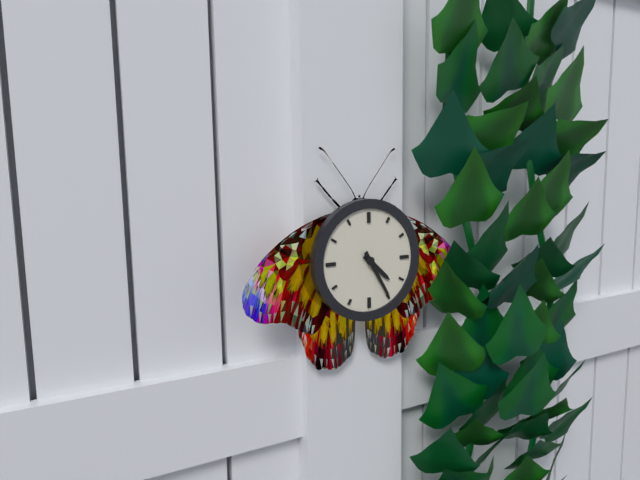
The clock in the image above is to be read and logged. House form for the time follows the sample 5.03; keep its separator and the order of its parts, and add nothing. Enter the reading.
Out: 4.25
